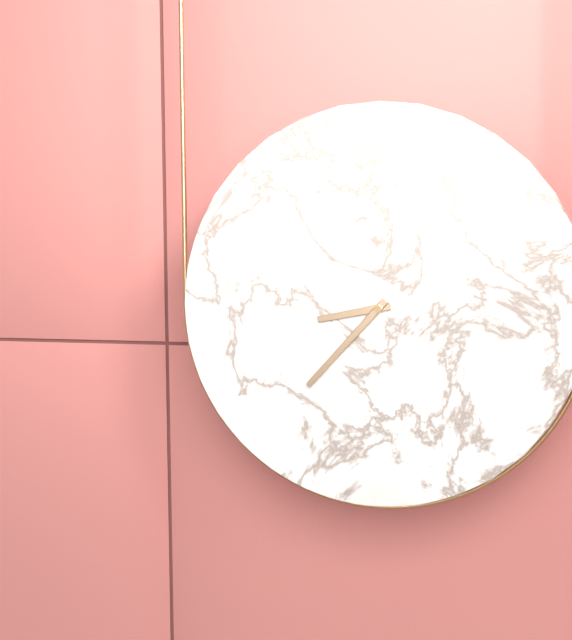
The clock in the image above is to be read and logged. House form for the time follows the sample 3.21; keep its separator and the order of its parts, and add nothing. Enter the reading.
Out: 8.37
